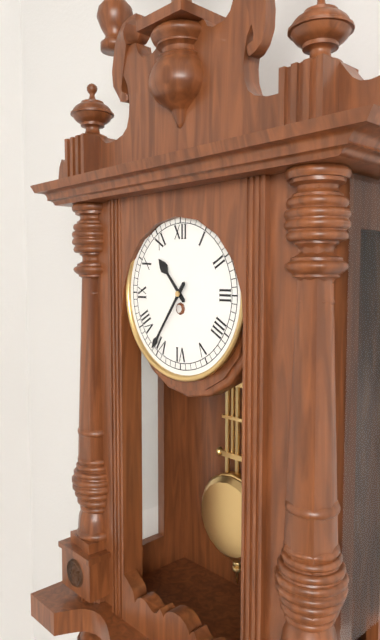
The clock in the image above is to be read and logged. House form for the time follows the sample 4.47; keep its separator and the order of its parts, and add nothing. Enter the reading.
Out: 10.36
